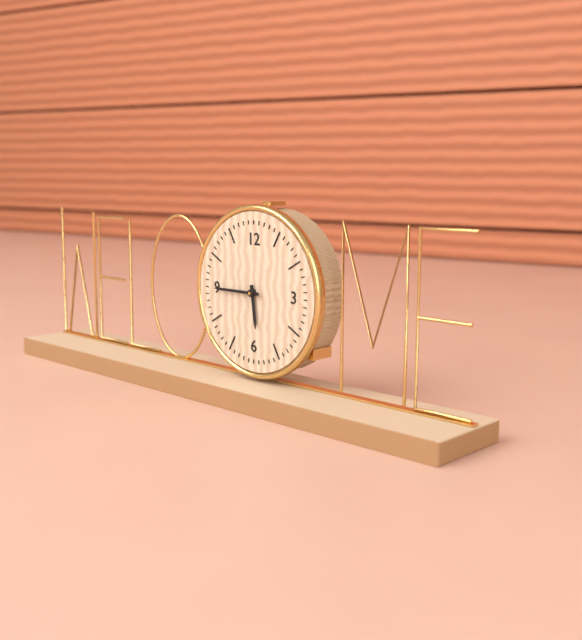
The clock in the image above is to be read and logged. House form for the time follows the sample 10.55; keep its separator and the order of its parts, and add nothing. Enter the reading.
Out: 5.45
